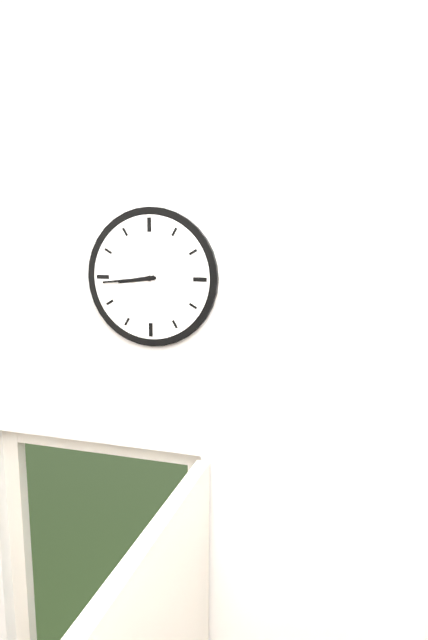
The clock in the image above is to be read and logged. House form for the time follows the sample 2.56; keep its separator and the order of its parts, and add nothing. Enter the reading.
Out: 8.44
